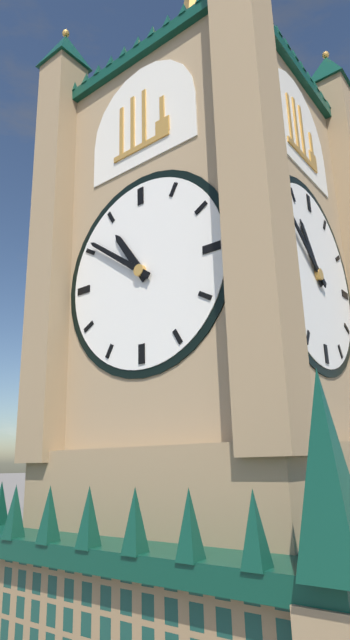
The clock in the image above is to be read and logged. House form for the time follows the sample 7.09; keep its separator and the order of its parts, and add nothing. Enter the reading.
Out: 10.51
